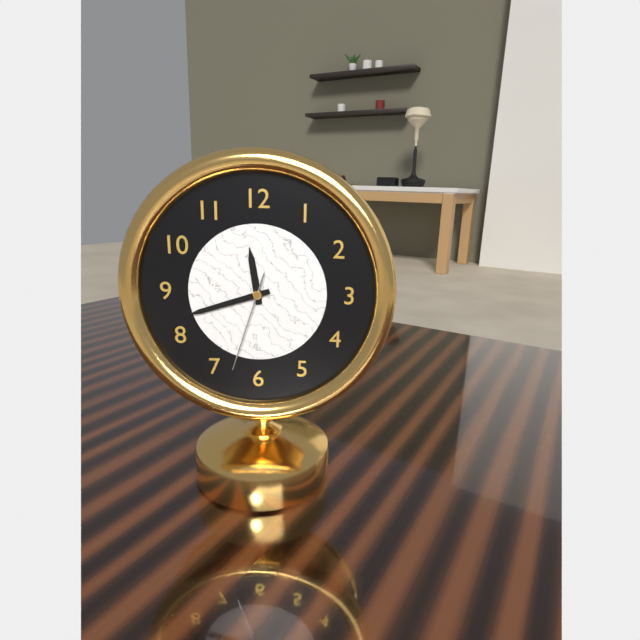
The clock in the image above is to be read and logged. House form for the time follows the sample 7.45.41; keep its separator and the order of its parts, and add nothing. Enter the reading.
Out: 11.42.33
